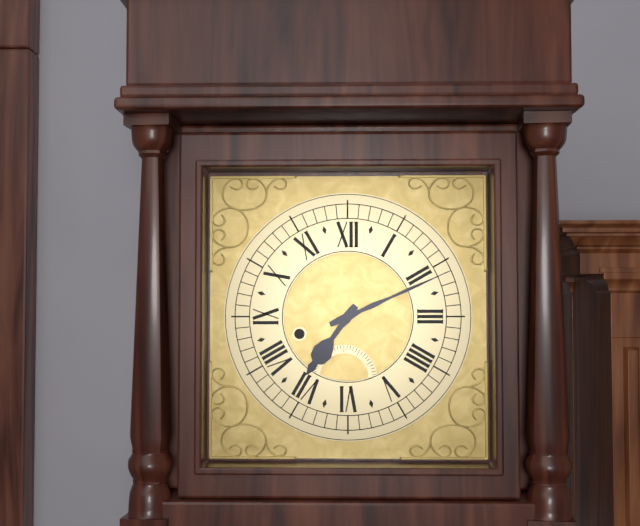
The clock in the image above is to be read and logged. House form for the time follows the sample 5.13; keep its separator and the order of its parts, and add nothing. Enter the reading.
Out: 7.11
